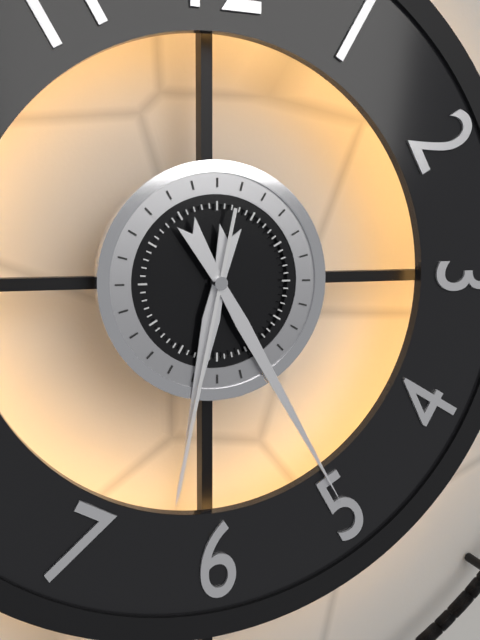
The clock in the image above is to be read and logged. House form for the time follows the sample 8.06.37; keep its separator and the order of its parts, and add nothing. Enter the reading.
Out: 6.25.32
